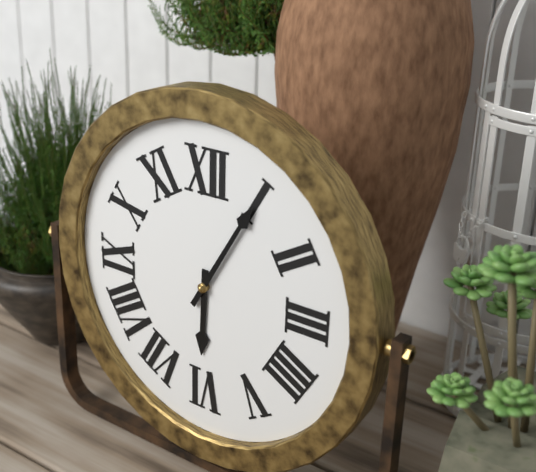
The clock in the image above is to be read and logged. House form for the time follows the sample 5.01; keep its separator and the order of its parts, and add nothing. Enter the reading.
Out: 6.05
